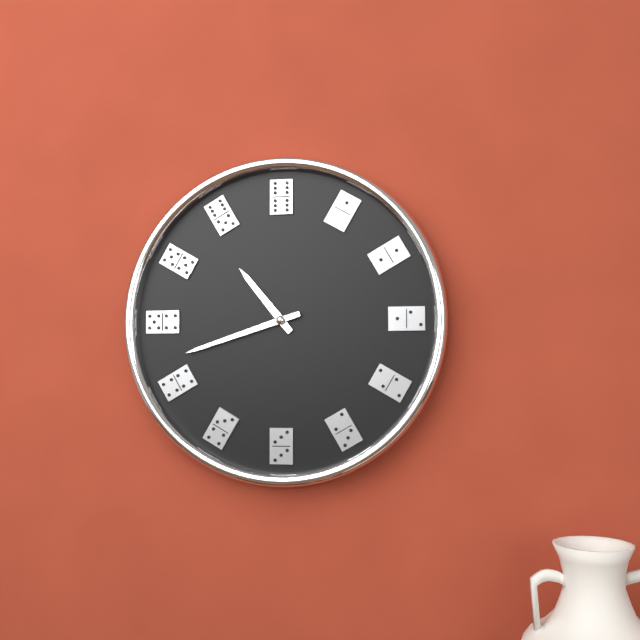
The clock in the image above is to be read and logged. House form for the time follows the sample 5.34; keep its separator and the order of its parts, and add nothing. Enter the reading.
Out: 10.42
